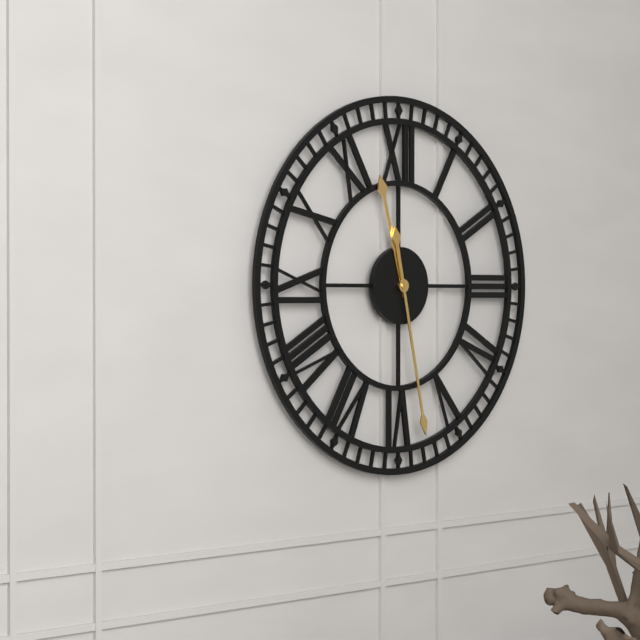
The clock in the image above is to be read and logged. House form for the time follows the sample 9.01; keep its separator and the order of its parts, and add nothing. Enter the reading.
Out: 11.28
